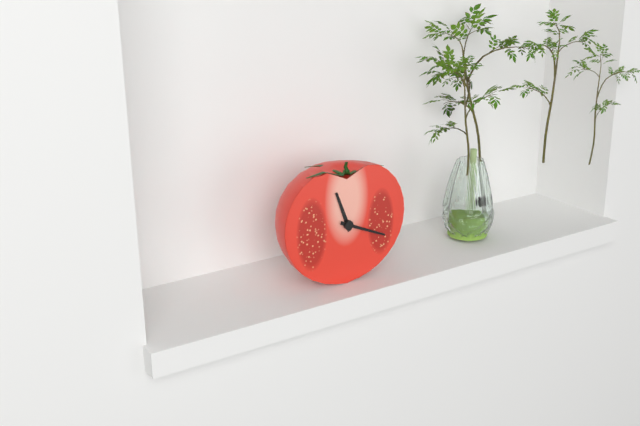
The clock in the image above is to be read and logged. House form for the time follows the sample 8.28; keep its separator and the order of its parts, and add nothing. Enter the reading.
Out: 11.19
